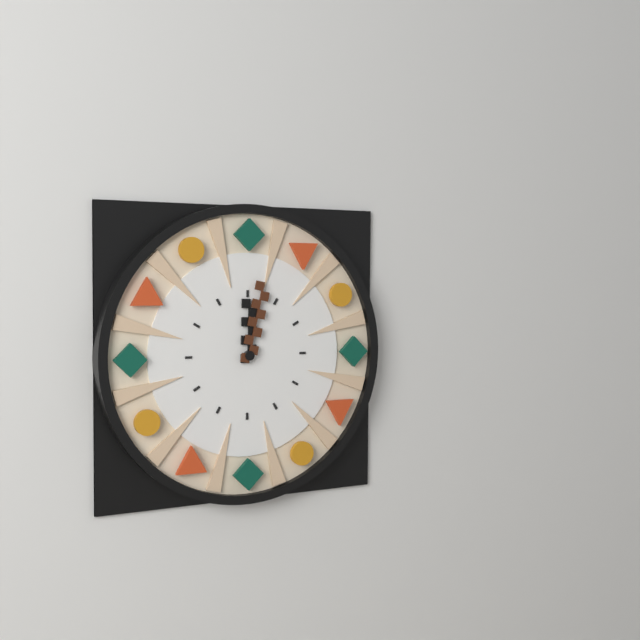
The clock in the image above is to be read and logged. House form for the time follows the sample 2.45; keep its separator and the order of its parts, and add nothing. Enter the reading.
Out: 12.02
